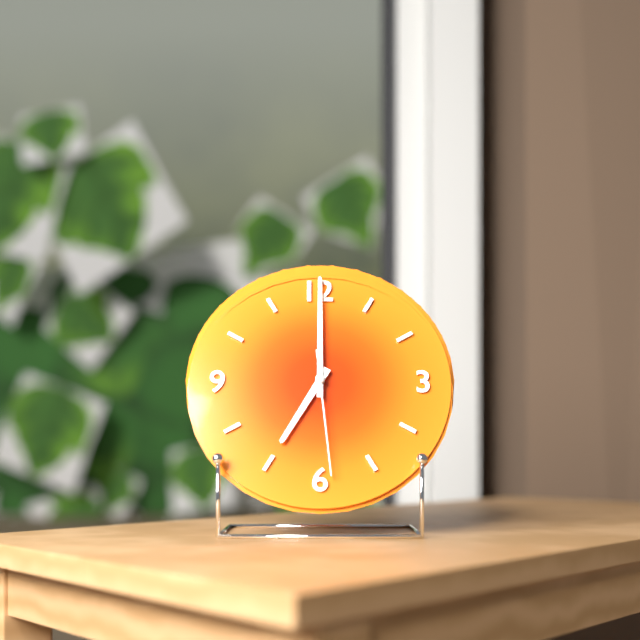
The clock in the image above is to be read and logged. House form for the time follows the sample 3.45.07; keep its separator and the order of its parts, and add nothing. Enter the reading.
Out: 7.00.29
